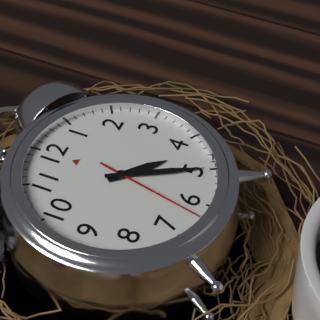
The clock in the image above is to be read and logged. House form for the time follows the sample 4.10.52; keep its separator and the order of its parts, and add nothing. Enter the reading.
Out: 4.25.32
